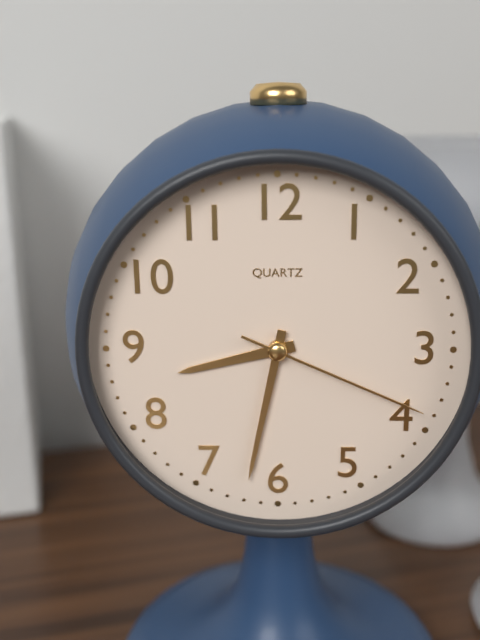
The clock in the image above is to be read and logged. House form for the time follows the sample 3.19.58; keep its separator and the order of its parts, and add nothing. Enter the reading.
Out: 8.32.19
